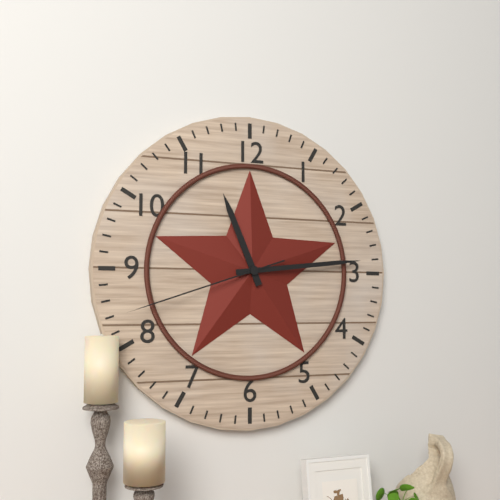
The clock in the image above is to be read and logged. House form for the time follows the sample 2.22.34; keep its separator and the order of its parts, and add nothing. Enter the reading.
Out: 11.14.42
